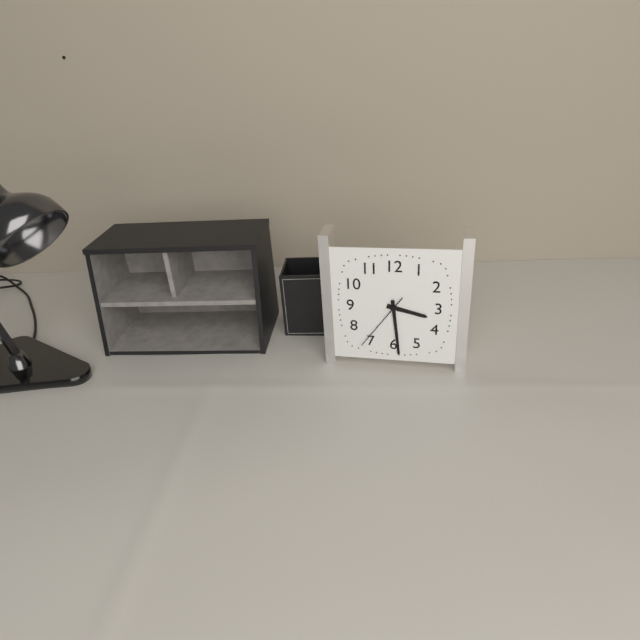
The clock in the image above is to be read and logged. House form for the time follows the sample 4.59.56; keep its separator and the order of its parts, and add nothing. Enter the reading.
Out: 3.29.36
